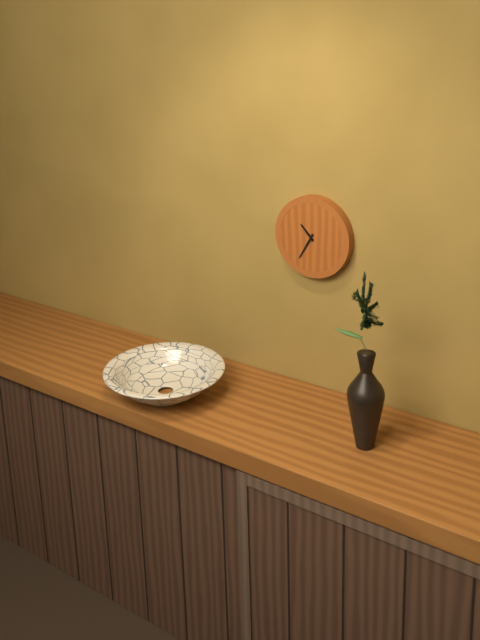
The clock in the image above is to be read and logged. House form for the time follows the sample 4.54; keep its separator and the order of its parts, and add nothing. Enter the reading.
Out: 10.35
